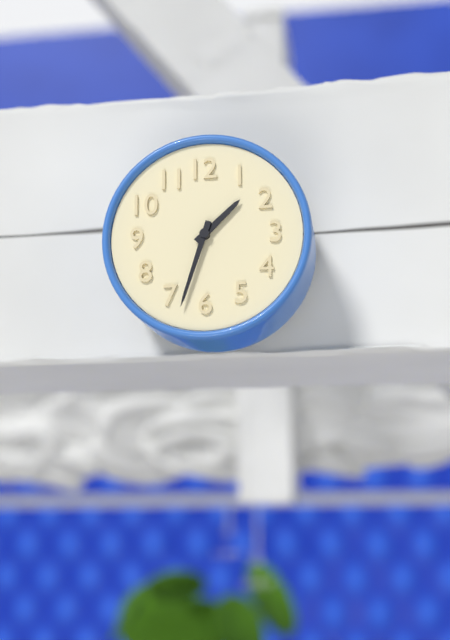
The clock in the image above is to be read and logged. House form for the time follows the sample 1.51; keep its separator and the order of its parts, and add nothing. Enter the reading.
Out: 1.33
